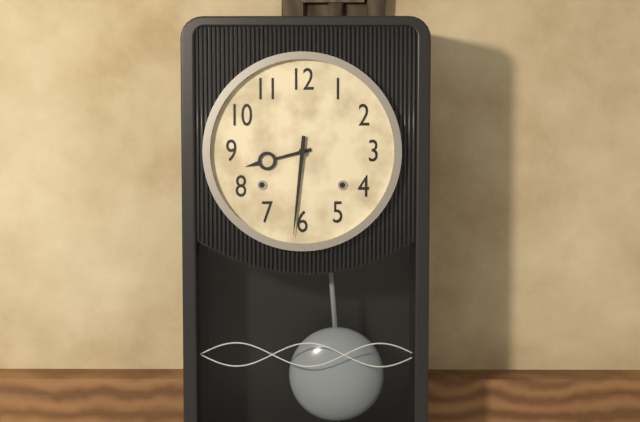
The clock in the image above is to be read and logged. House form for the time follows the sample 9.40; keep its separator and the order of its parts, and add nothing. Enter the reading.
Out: 8.31
